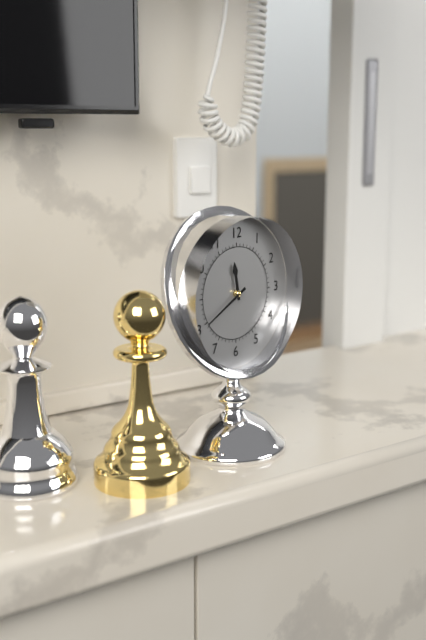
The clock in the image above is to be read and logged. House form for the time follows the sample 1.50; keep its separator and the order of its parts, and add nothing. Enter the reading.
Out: 11.40
